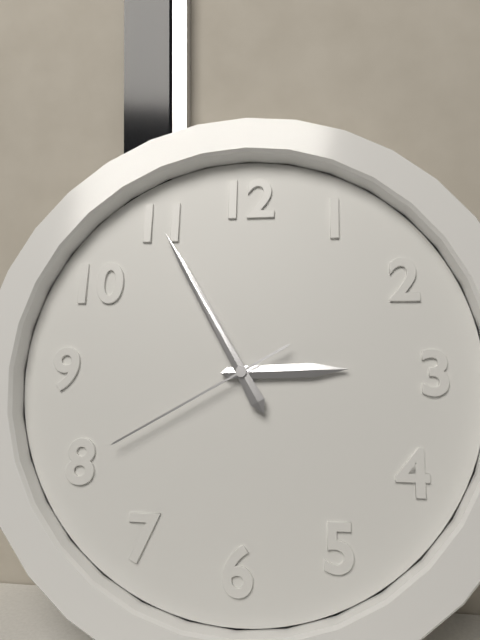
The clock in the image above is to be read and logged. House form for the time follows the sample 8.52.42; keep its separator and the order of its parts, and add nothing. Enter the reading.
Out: 2.55.40
